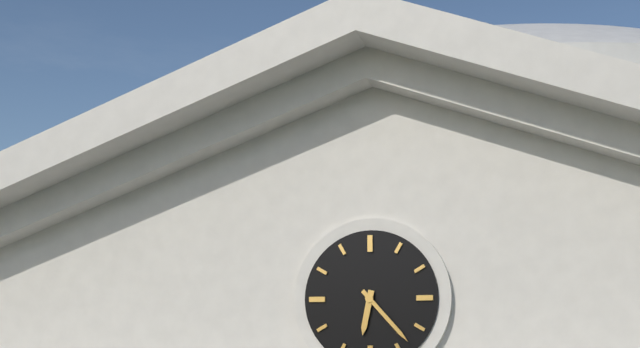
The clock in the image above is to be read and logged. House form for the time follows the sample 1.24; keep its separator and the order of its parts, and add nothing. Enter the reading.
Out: 6.23
